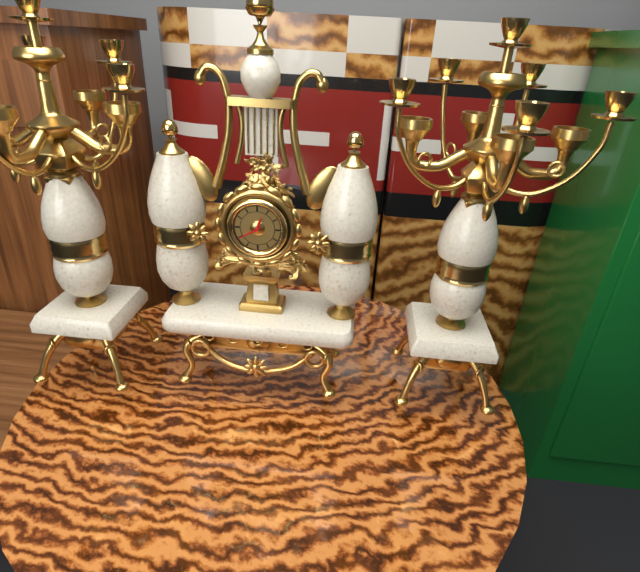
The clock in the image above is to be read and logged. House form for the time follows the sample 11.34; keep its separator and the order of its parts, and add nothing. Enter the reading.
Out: 12.40
